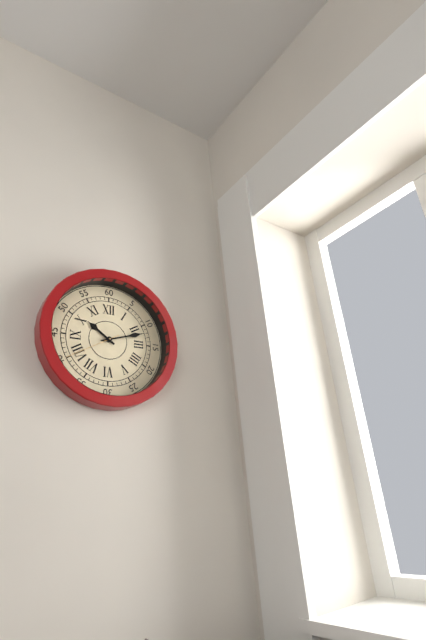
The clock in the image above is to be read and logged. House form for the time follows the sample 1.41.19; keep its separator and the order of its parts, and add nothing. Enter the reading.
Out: 10.12.40
